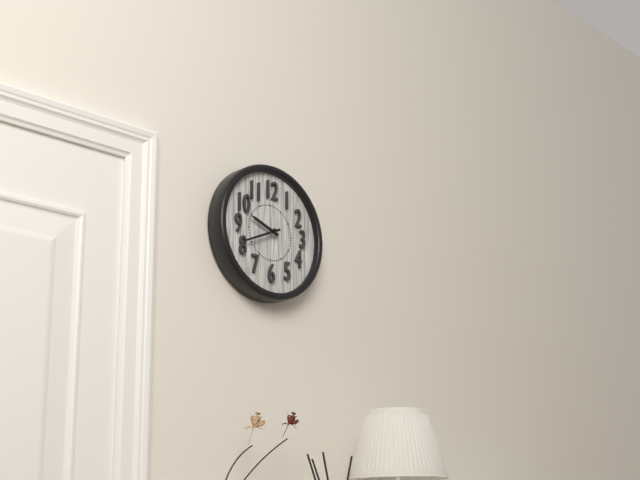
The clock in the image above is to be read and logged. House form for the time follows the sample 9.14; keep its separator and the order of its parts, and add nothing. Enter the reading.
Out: 9.41
